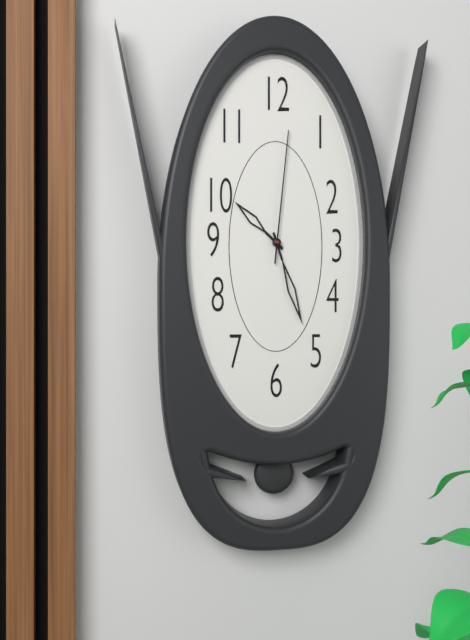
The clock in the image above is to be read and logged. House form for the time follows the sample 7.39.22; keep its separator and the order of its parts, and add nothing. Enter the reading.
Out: 10.27.01
